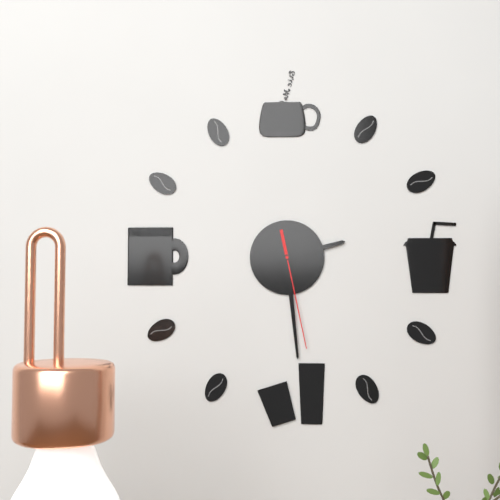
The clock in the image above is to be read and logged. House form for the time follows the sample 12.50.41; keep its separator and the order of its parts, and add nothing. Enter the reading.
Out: 2.29.28
